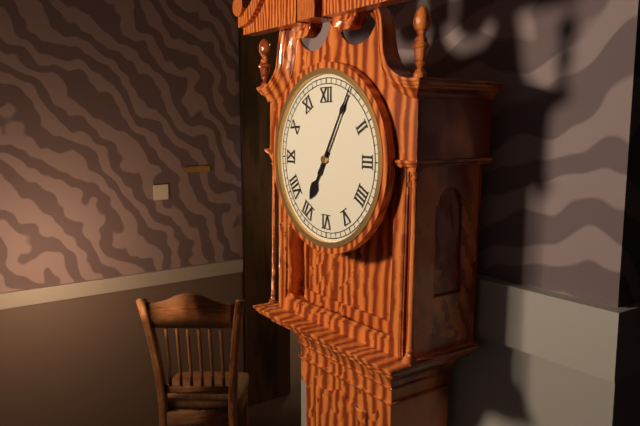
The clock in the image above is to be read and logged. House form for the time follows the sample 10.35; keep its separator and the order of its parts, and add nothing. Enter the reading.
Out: 7.05
